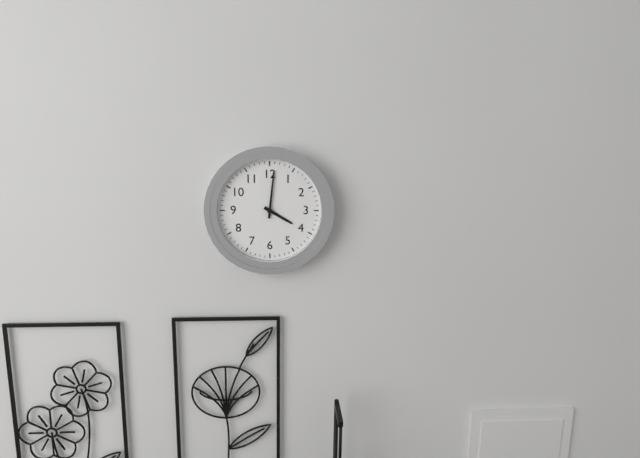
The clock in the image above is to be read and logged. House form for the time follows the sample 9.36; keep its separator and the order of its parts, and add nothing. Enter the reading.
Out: 4.01
